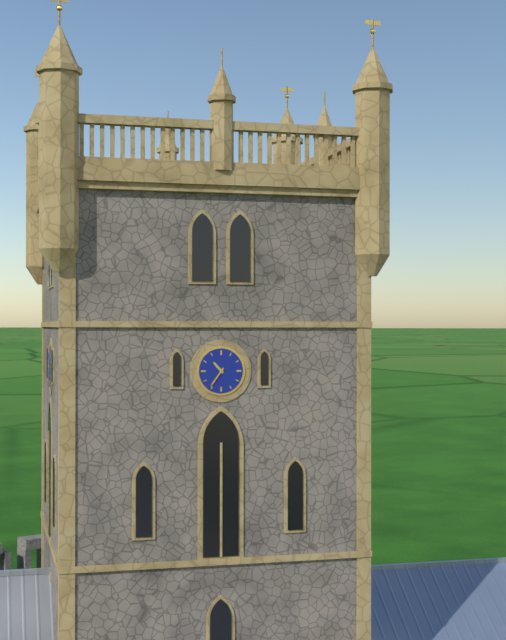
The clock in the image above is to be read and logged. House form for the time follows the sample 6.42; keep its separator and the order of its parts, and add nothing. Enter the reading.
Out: 10.36
